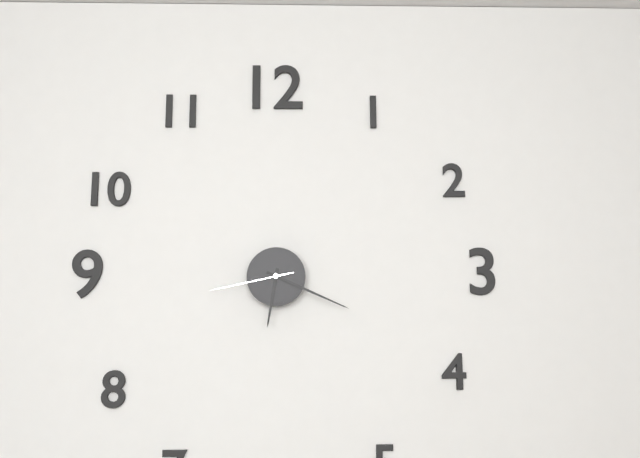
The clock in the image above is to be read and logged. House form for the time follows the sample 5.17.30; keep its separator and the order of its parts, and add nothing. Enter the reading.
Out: 6.19.43
